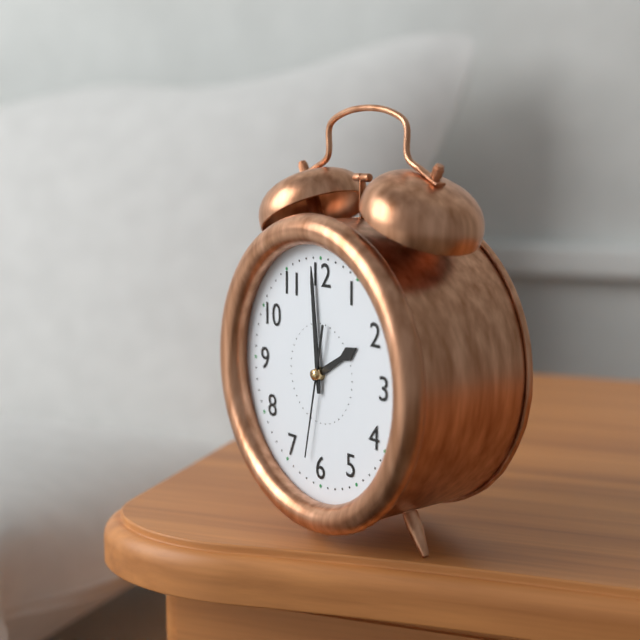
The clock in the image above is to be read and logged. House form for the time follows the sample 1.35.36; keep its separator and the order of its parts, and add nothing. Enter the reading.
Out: 1.59.32
